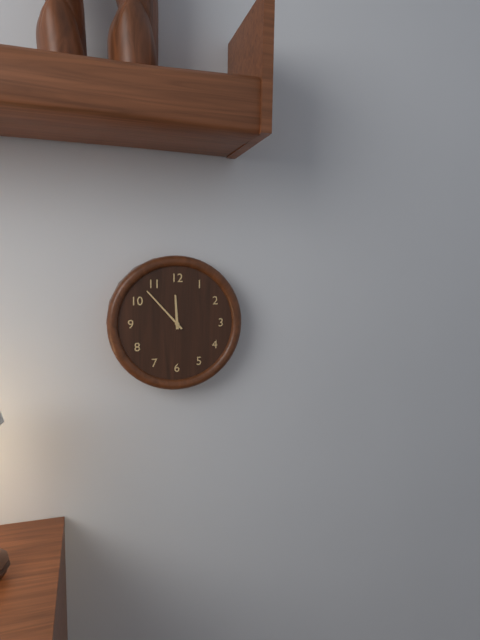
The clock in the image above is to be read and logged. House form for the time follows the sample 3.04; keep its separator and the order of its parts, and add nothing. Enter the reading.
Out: 11.53
